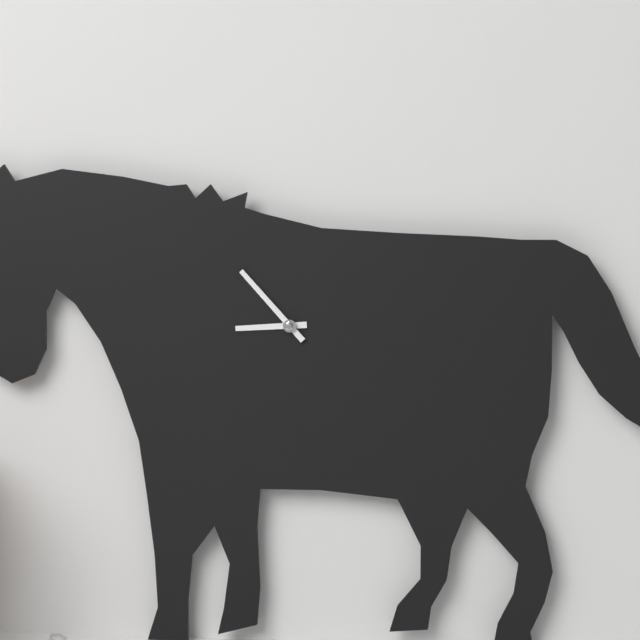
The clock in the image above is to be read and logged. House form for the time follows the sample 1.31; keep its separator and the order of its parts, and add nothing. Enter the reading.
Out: 8.53
